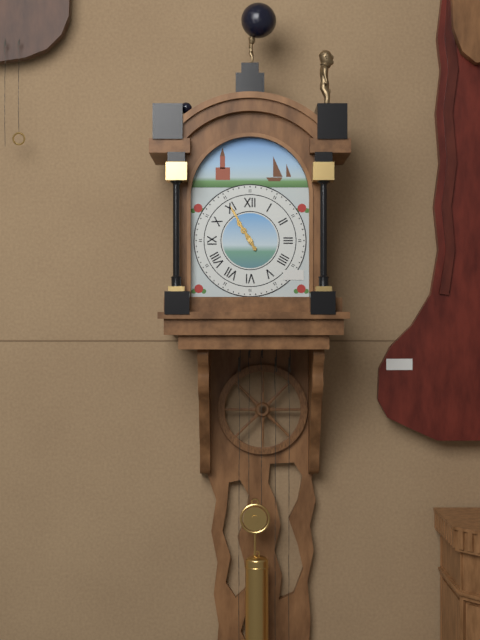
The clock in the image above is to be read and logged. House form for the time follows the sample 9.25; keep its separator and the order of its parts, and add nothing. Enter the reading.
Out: 10.55
